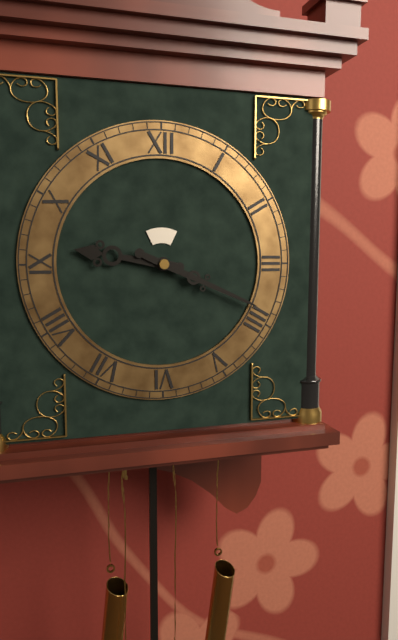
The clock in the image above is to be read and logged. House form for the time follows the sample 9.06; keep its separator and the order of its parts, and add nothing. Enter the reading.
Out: 9.19
